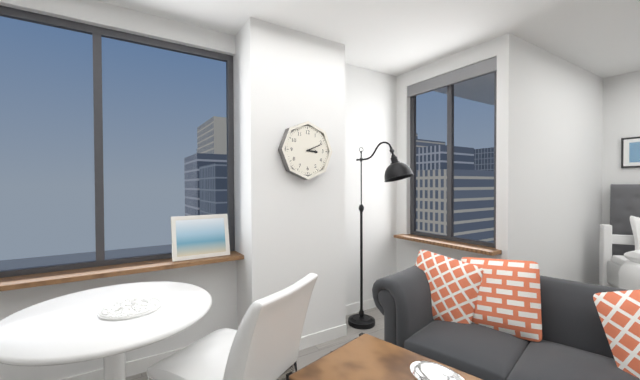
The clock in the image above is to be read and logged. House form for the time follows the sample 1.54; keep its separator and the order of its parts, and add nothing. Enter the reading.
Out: 3.11
